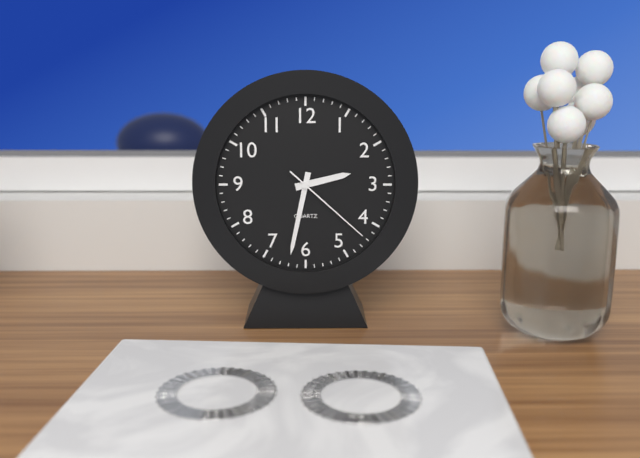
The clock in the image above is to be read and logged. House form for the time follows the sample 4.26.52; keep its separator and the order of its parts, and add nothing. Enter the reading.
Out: 2.32.22
